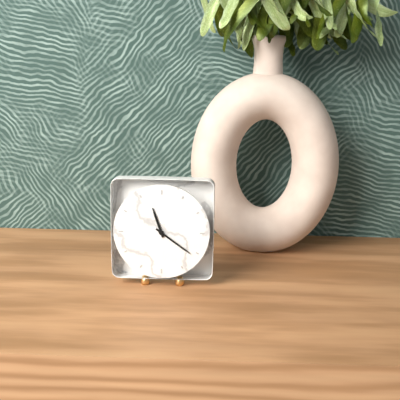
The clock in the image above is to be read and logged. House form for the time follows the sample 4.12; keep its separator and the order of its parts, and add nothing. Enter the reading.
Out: 11.21
